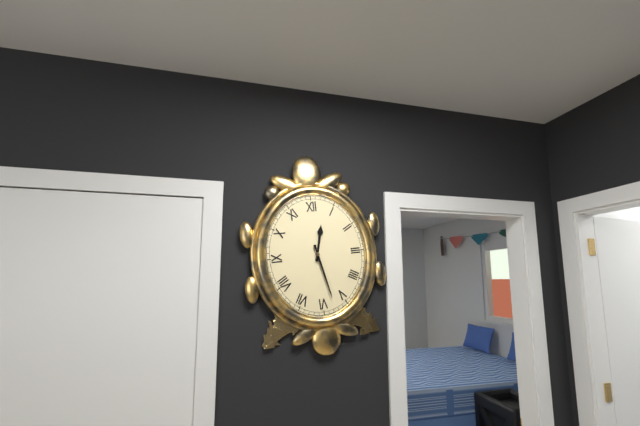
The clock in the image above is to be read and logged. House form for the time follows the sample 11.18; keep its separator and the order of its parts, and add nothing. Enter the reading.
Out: 12.28
